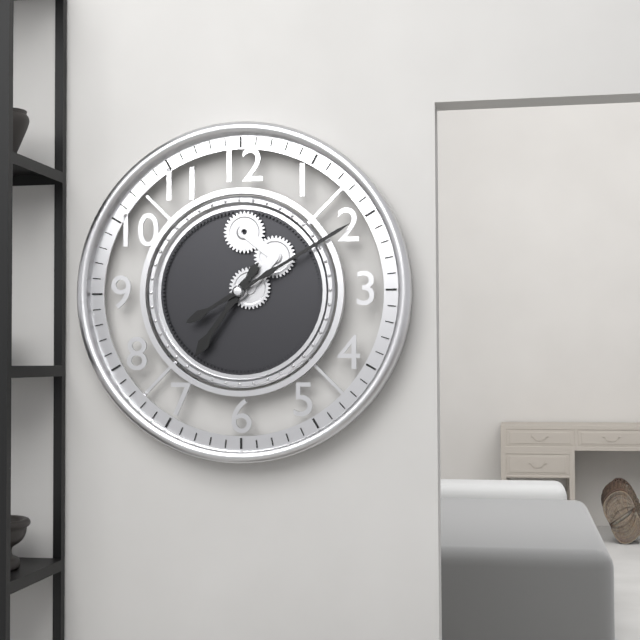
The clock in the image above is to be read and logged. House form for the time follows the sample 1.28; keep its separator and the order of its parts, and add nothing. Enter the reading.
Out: 7.10
